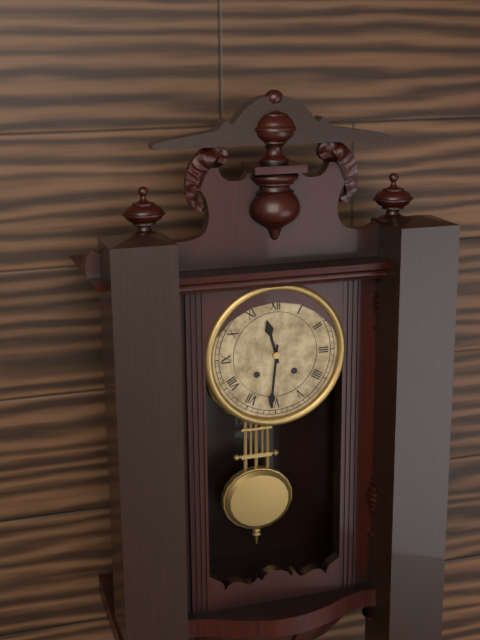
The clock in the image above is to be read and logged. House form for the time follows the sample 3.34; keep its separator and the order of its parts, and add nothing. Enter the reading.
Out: 11.31
